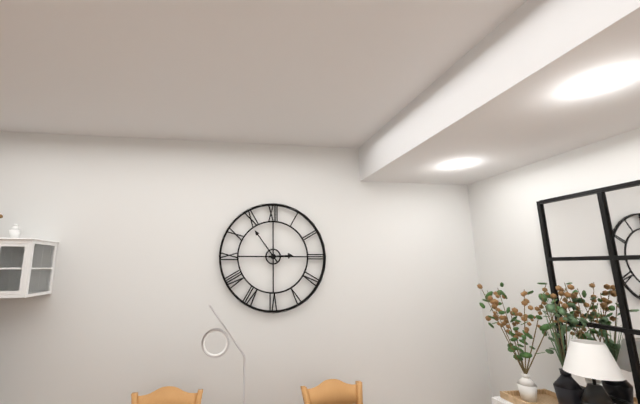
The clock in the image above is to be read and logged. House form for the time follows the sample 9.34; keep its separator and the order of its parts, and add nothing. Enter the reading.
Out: 2.54
